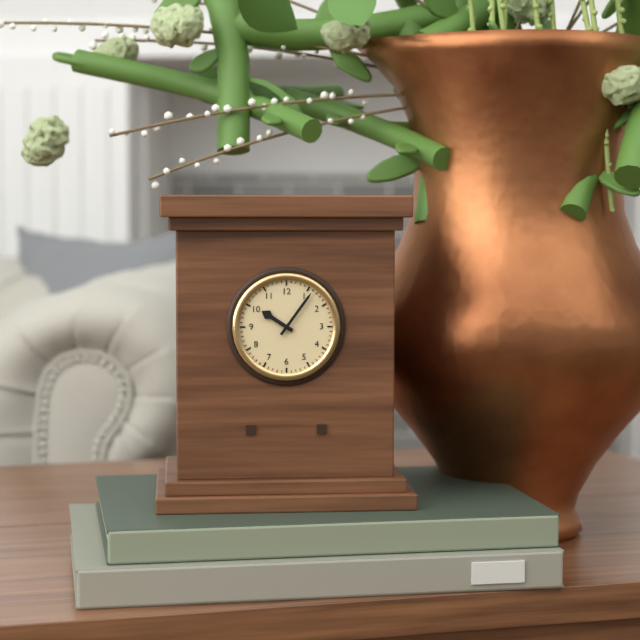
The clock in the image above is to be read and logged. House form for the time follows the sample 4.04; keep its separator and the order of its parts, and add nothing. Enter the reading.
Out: 10.06
